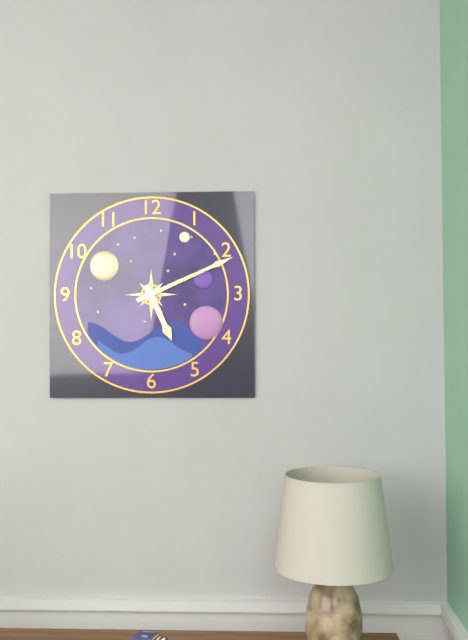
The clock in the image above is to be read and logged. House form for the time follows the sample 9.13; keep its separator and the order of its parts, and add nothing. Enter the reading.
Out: 5.11
